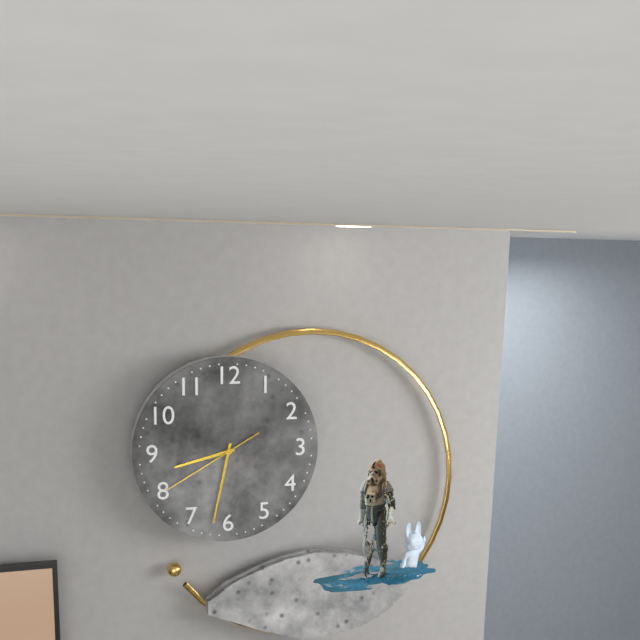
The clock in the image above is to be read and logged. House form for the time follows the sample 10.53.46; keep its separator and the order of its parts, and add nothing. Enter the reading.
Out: 8.32.40
